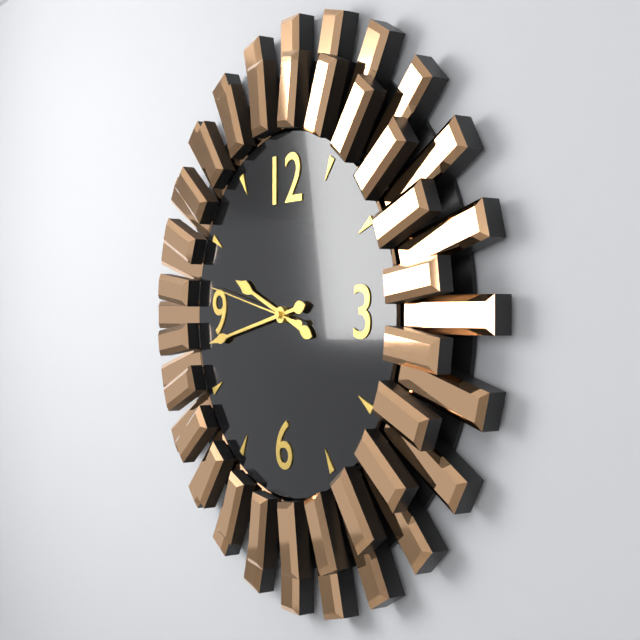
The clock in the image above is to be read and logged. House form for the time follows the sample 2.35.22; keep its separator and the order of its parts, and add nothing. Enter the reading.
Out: 9.43.47
